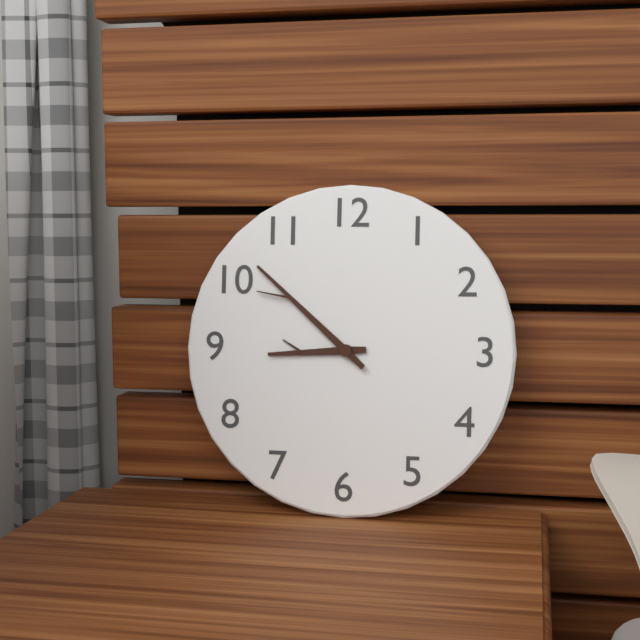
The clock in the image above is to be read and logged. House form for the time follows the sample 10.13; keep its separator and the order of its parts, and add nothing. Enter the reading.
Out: 8.52
